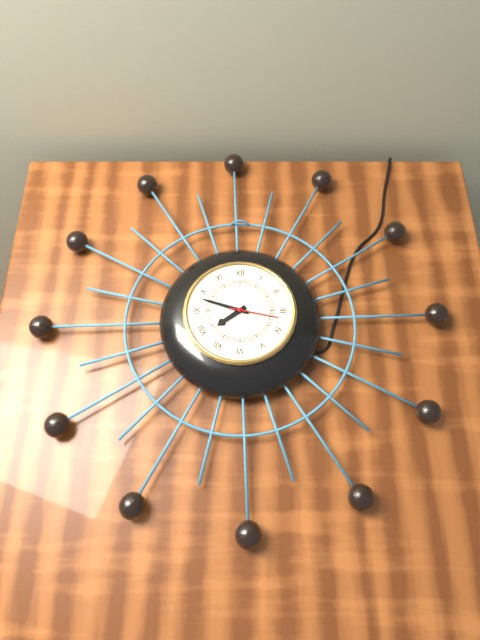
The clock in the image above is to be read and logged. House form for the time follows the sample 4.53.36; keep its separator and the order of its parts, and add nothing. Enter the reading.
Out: 7.48.17
